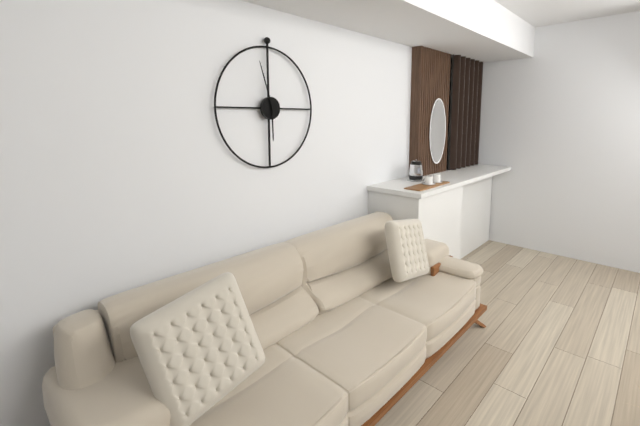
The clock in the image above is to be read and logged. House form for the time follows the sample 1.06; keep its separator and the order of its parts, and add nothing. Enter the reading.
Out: 5.57
